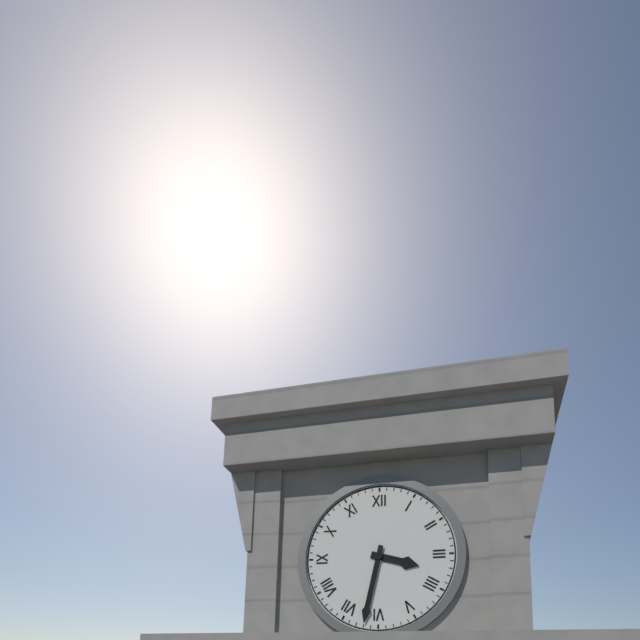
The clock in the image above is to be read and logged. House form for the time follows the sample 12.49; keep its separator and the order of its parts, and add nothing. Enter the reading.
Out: 3.32
